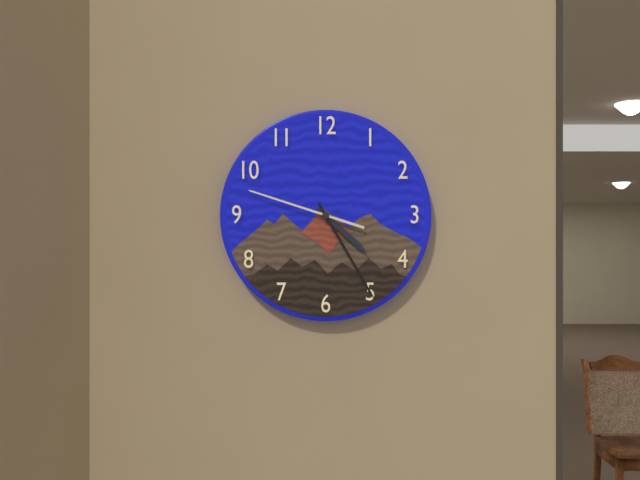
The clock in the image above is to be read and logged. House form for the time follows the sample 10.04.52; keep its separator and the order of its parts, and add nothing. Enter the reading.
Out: 4.25.48
